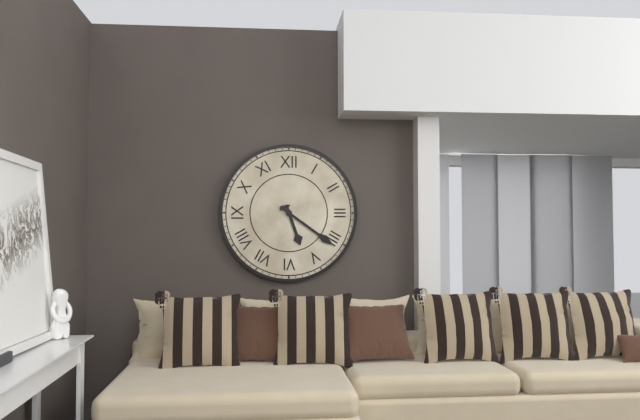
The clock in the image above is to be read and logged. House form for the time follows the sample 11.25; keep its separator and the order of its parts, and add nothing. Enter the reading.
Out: 5.21
